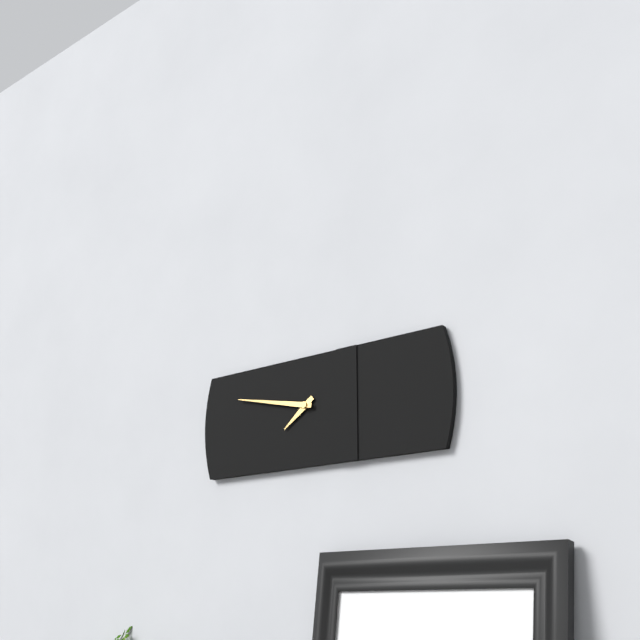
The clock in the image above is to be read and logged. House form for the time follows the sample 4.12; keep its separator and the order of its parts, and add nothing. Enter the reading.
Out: 7.47
